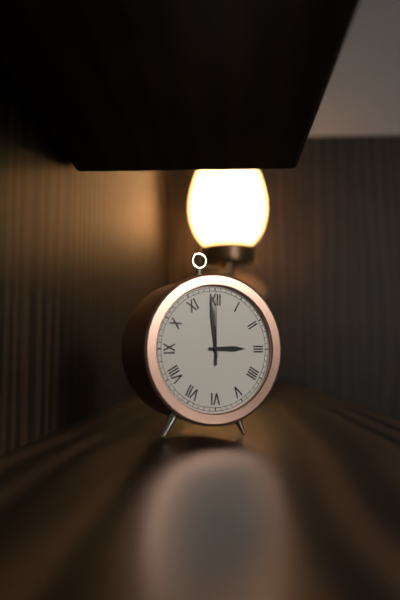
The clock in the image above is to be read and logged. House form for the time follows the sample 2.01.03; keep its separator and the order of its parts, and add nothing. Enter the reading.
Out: 2.59.00
